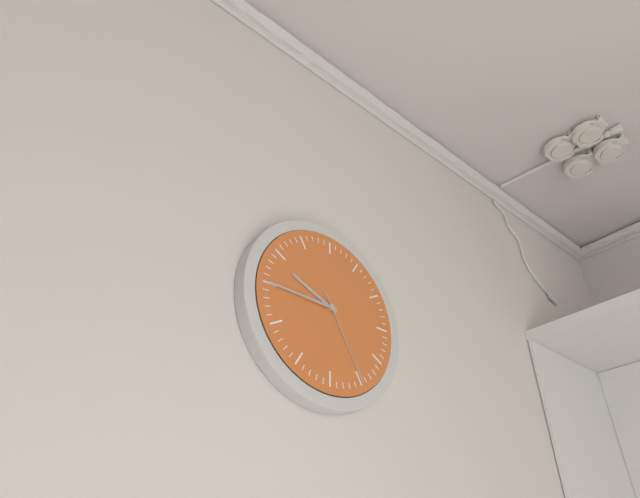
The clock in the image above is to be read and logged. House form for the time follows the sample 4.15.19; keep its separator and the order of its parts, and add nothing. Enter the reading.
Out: 9.45.25
